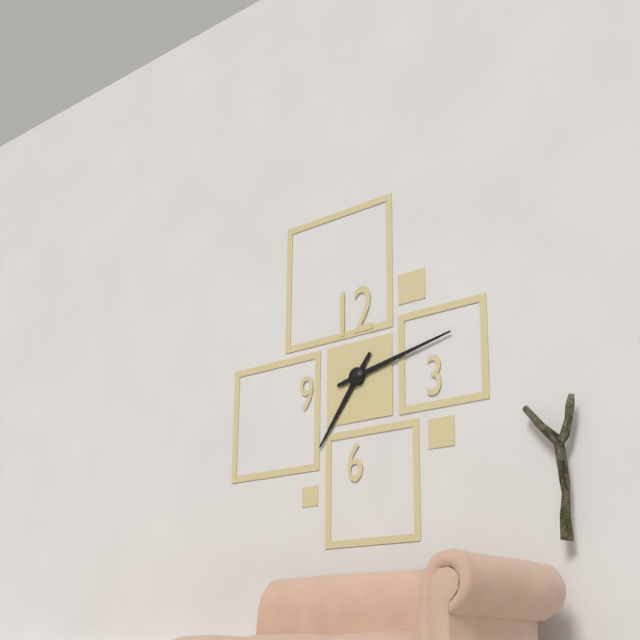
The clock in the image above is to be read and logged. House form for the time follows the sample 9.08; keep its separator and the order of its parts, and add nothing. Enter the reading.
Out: 7.13
